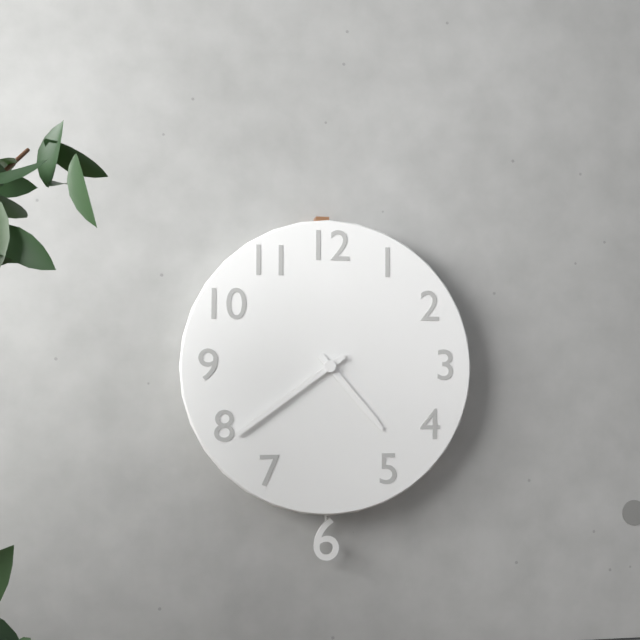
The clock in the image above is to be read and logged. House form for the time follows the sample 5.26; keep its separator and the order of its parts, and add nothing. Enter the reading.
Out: 4.39
